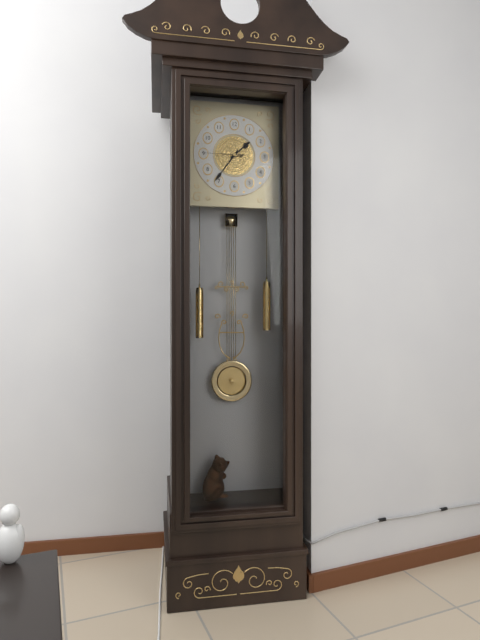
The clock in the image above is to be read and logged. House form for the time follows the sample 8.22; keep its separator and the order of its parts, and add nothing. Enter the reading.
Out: 1.36
